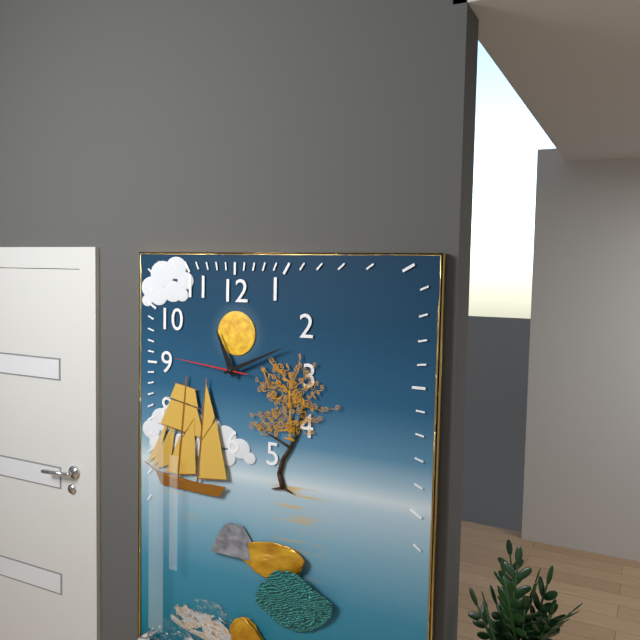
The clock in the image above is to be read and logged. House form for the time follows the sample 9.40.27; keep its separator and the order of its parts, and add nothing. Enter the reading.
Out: 11.11.46
